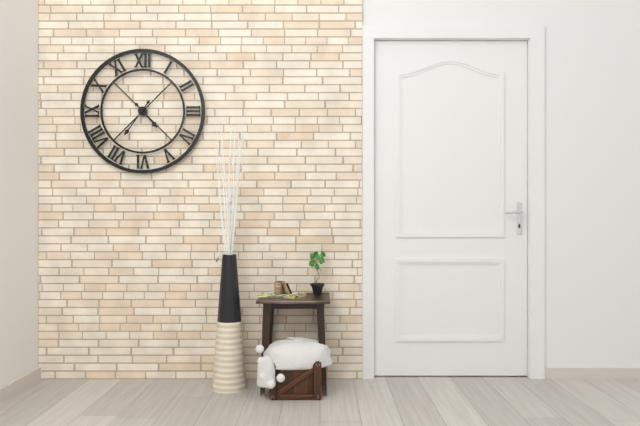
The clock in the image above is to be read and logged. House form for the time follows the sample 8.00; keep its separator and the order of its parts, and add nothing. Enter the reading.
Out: 4.36
